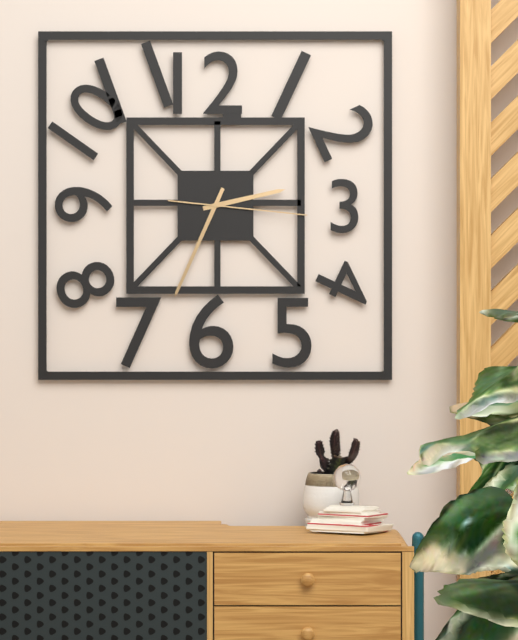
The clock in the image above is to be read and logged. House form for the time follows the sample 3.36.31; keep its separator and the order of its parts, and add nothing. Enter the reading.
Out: 2.34.16
